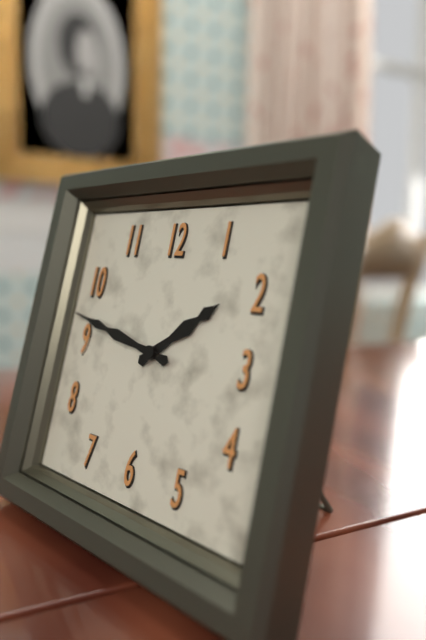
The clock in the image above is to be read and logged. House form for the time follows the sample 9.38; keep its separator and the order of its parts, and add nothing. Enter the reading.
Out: 1.47
